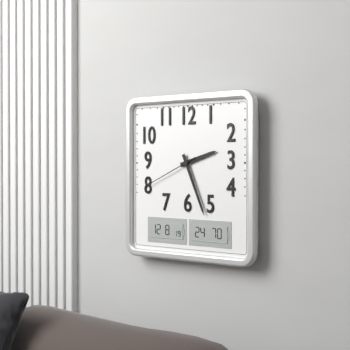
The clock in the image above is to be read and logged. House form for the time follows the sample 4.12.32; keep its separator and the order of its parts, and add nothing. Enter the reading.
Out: 2.26.41
